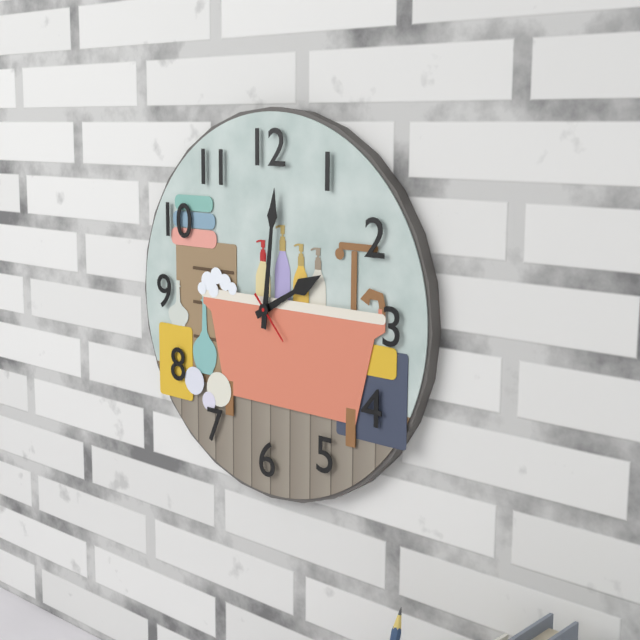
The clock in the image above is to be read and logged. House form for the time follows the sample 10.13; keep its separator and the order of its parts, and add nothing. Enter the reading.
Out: 2.01
